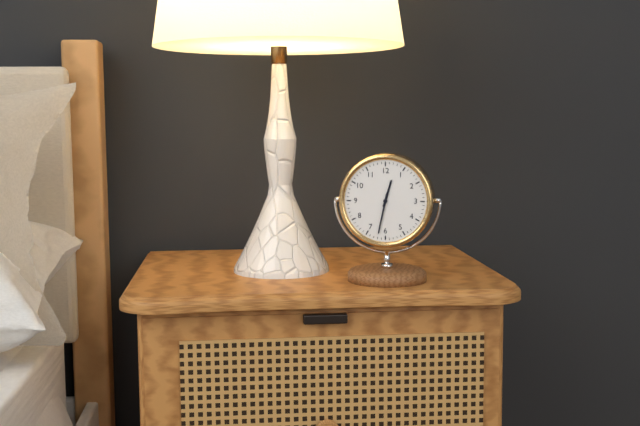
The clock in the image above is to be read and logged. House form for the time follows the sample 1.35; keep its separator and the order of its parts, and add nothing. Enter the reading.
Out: 12.32
